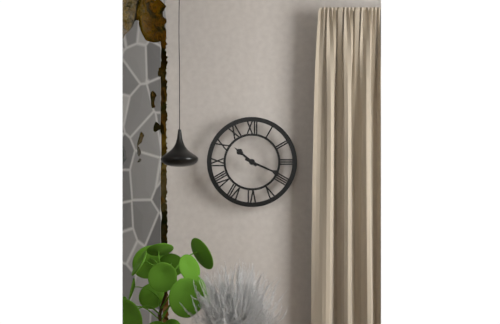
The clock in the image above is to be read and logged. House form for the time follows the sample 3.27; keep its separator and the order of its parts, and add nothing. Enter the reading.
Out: 10.19
